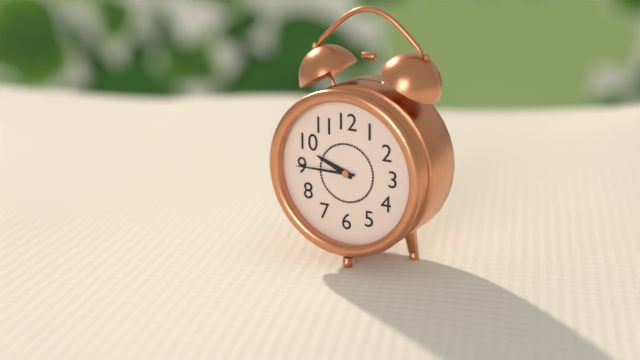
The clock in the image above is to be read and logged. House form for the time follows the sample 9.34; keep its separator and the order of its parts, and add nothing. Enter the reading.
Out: 9.45
